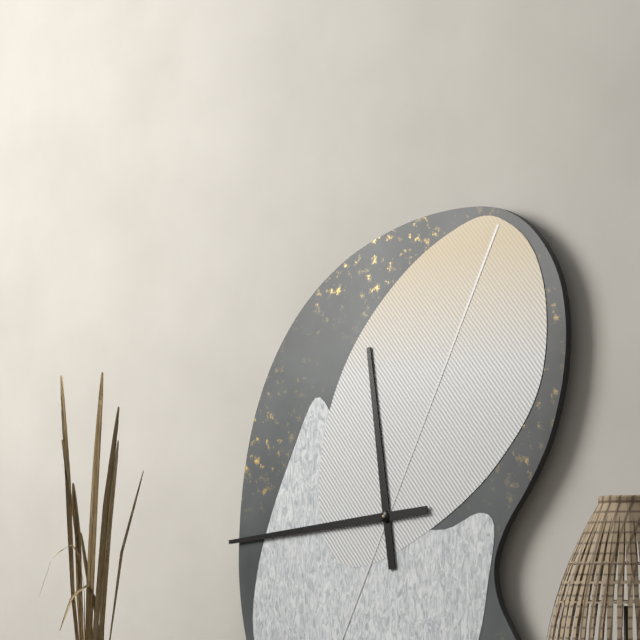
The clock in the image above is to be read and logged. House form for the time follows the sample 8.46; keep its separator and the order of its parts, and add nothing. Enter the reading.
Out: 11.44
